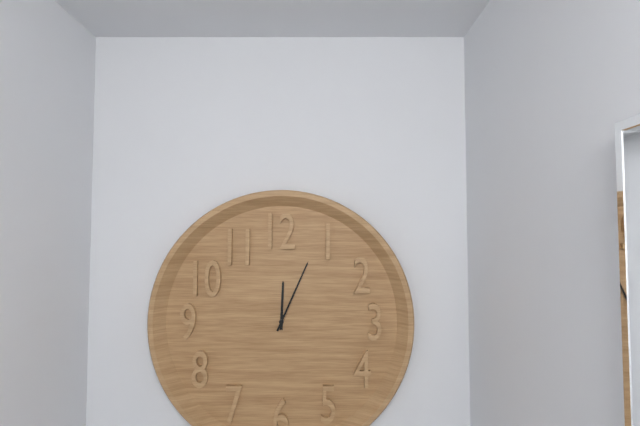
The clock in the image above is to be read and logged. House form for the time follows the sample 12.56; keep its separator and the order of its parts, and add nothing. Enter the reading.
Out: 12.04
